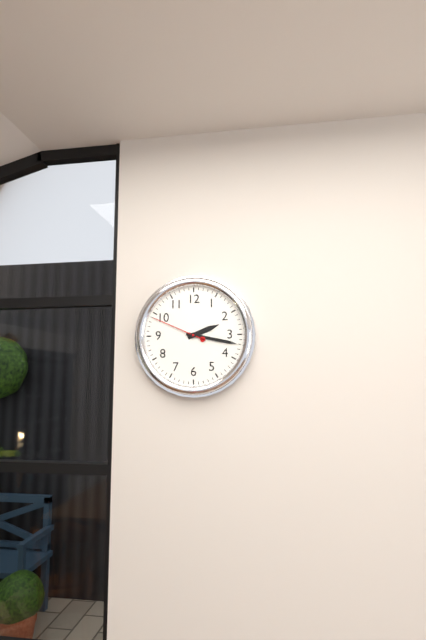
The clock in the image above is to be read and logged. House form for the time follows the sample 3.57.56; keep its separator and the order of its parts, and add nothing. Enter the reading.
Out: 2.17.49
